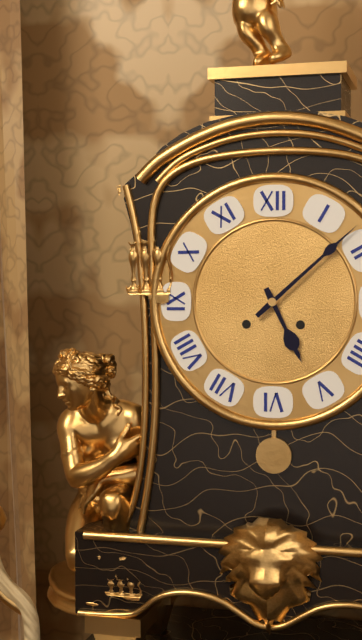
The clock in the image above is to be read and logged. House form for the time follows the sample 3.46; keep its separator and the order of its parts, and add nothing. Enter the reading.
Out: 5.08
